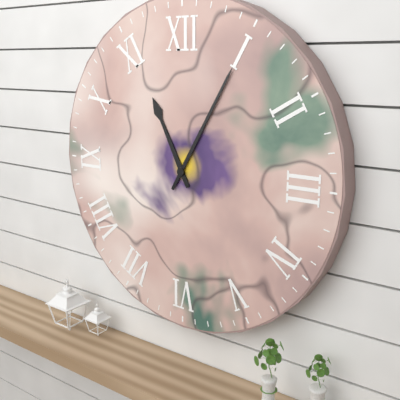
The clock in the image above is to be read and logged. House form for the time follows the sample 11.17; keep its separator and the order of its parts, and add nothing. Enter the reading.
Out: 11.05
